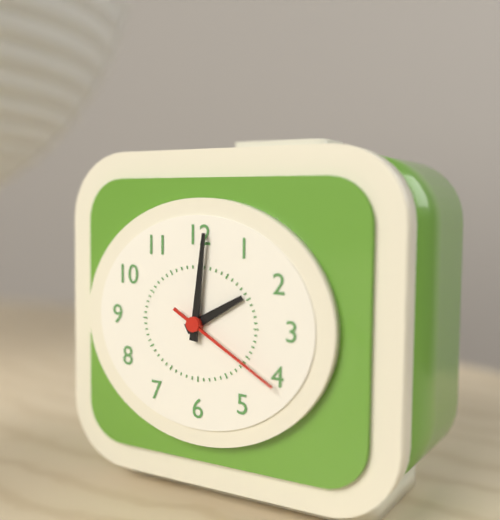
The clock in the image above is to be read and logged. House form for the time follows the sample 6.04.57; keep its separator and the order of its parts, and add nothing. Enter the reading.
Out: 2.01.20
